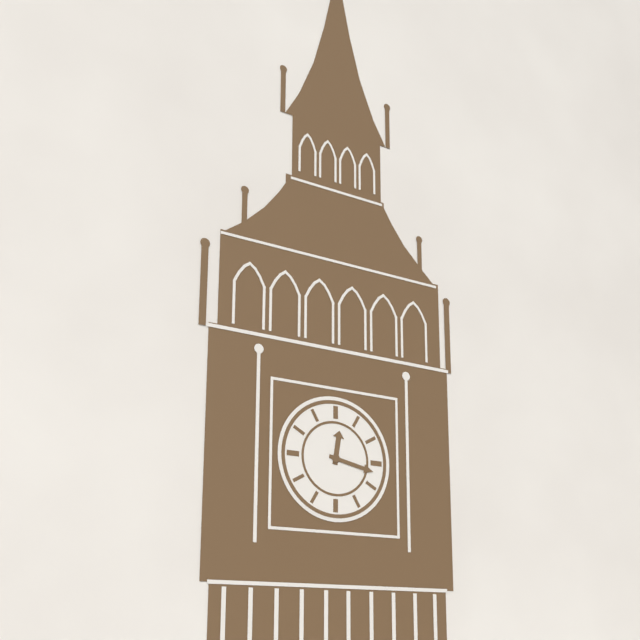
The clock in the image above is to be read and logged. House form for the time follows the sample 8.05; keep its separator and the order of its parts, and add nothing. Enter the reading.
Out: 12.17
